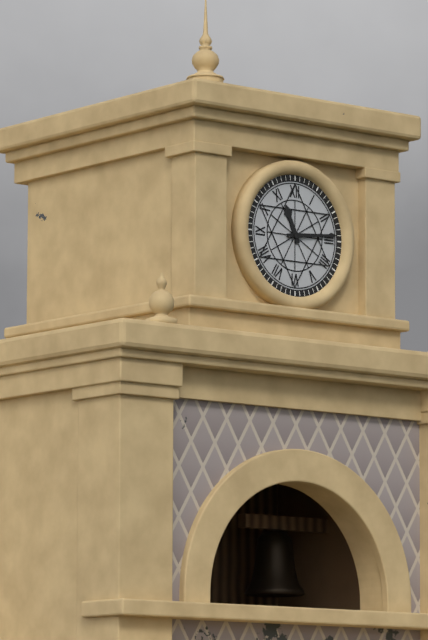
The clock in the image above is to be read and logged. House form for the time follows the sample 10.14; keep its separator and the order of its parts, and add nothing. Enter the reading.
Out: 11.14
